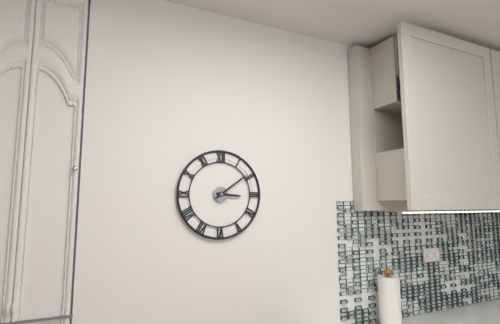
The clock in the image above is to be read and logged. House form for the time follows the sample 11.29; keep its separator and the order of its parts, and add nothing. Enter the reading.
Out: 3.09
